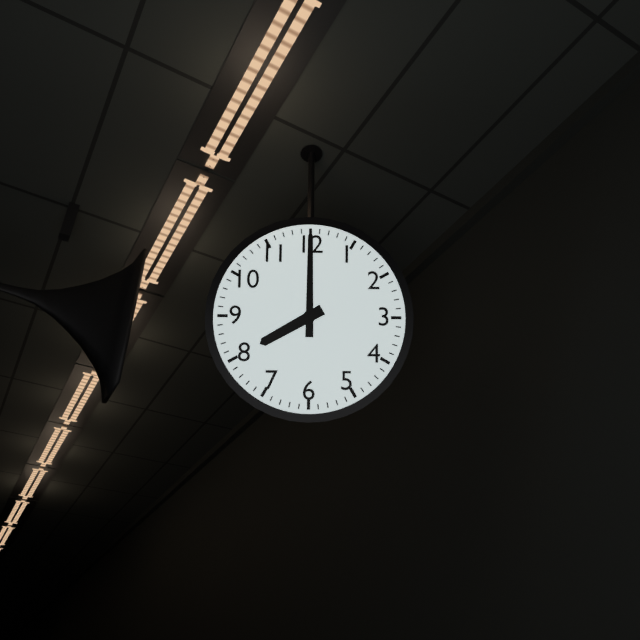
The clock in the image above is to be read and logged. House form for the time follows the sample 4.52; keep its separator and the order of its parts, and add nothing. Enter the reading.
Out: 8.00
